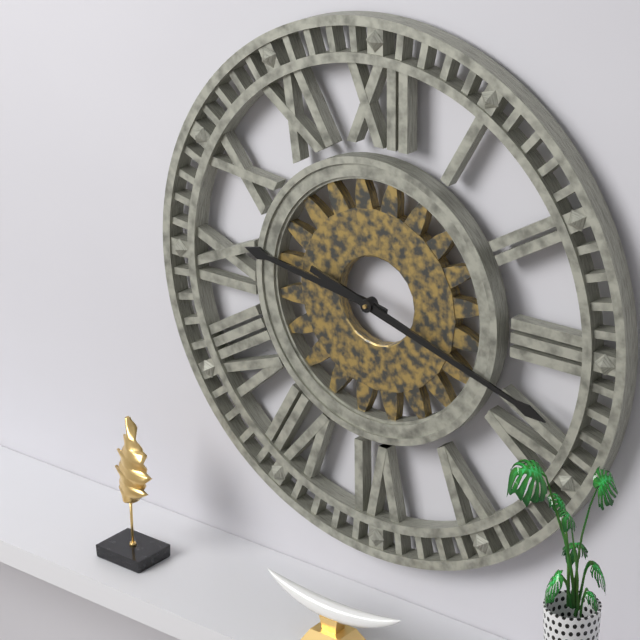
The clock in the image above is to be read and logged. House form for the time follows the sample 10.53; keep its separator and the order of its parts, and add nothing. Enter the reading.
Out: 9.18
